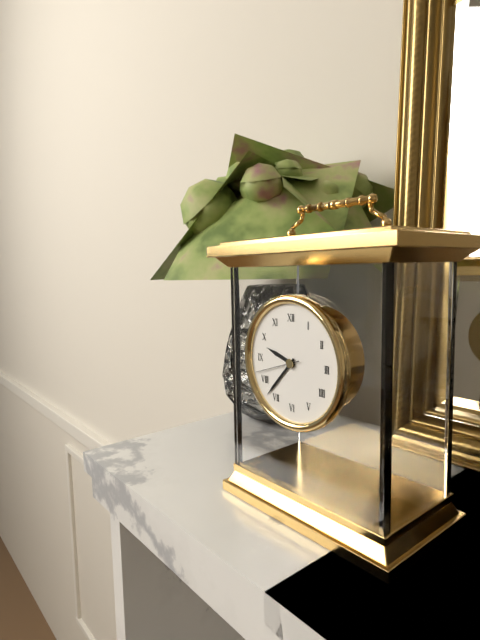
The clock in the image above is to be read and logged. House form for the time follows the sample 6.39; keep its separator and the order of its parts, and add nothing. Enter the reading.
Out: 9.37
